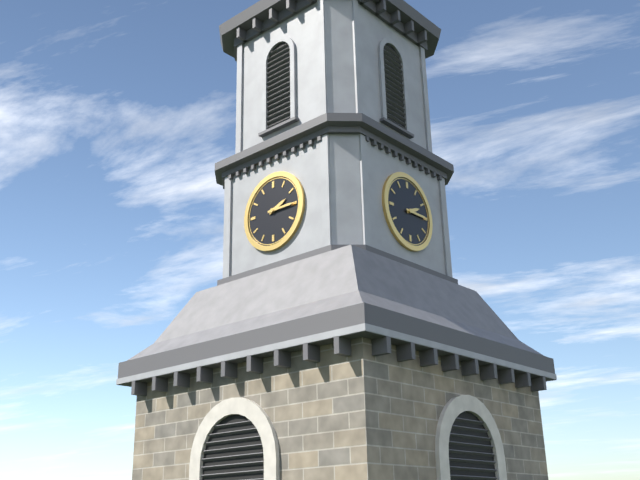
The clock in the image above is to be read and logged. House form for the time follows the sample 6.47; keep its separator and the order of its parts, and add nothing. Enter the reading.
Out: 2.15
